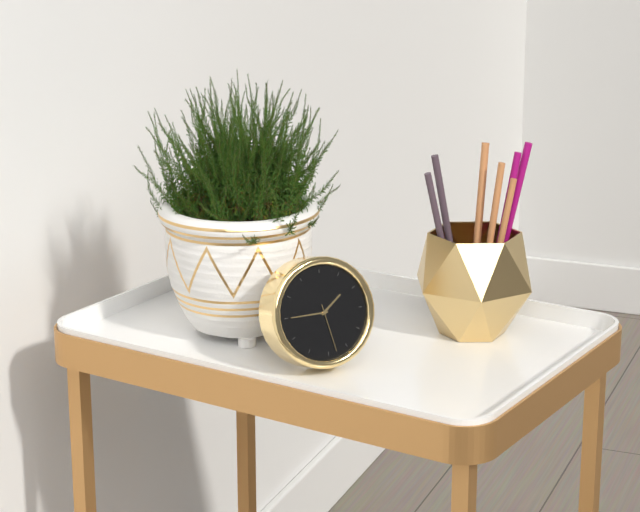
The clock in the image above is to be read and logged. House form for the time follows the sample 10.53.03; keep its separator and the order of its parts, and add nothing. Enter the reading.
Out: 1.45.28
